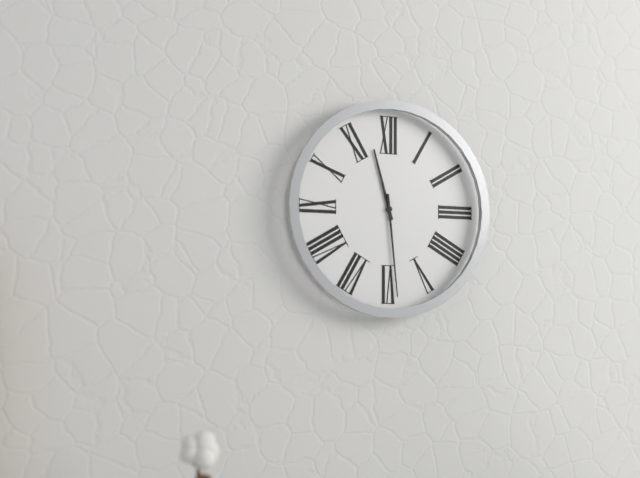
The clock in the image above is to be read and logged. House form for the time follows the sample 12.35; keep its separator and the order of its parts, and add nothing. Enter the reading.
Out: 11.29
